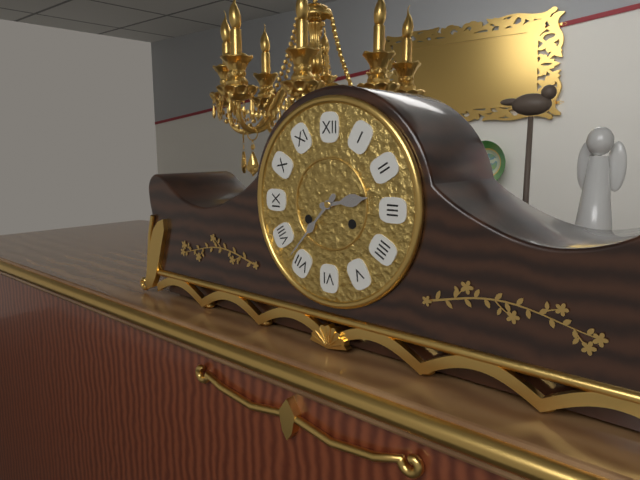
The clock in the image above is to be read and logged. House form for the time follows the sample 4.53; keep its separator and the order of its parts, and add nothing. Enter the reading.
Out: 2.37
